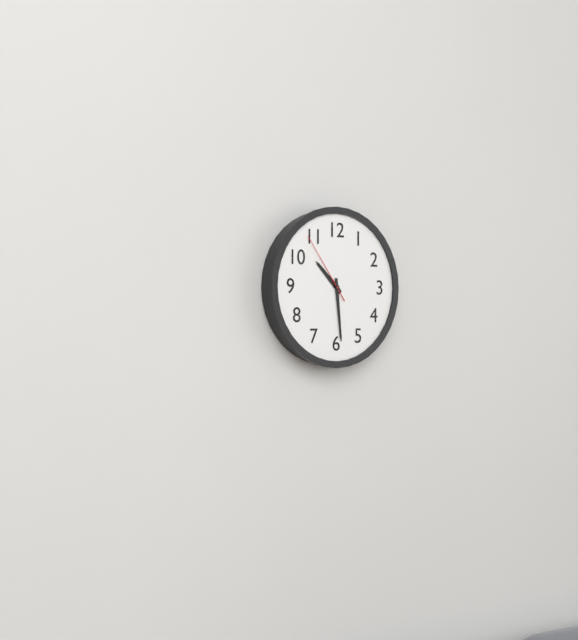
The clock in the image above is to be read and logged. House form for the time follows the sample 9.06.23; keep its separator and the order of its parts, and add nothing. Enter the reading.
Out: 10.29.54
